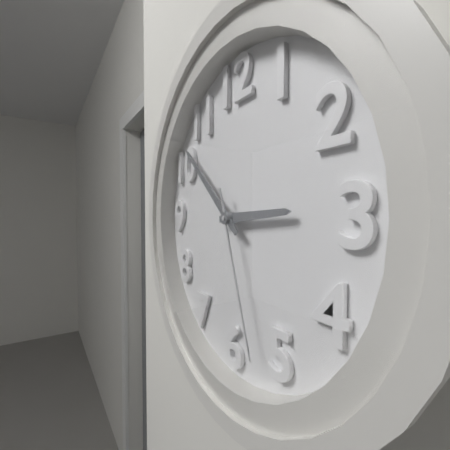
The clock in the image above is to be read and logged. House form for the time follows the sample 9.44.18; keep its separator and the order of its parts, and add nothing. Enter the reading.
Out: 2.52.27
